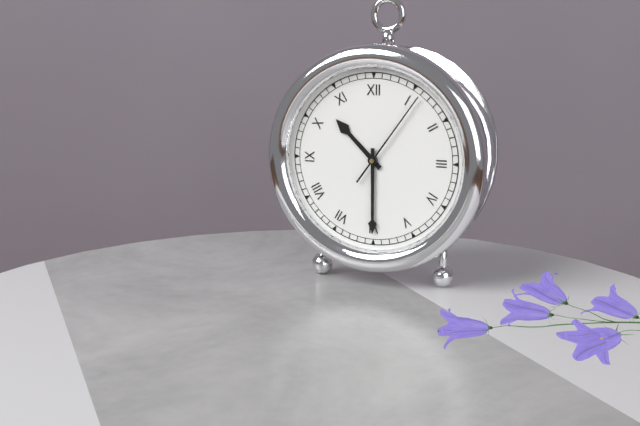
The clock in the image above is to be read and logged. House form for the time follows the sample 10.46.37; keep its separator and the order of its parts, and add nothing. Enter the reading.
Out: 10.30.06
